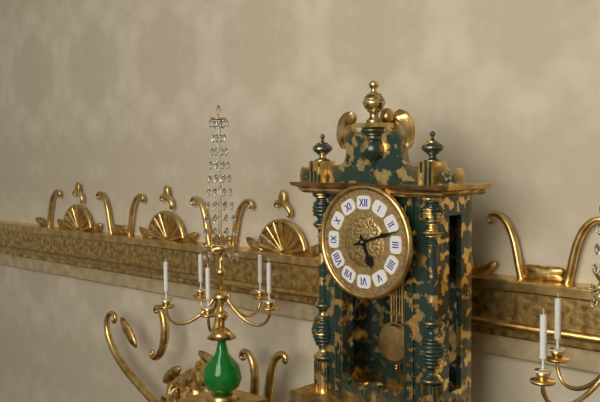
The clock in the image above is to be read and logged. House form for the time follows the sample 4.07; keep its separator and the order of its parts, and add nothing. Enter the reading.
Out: 5.12
